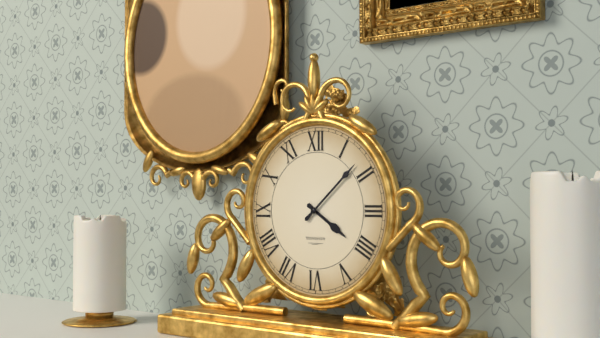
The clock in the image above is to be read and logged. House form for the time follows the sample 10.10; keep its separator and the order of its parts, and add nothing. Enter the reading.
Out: 4.08
